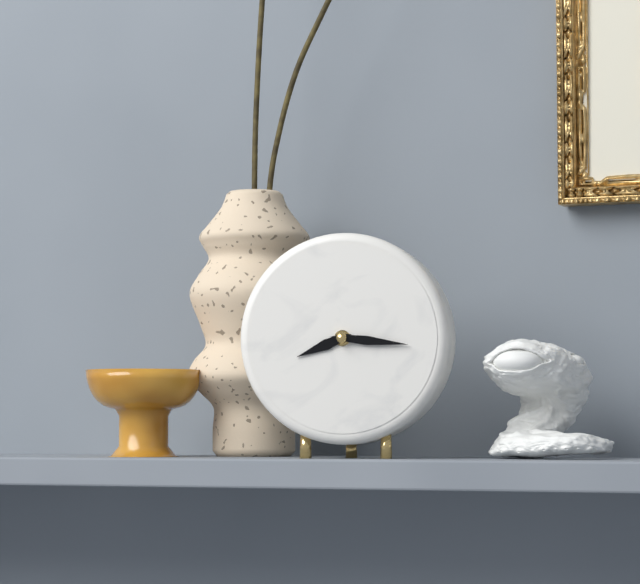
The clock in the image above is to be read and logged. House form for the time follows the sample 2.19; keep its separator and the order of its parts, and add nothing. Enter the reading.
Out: 8.16
